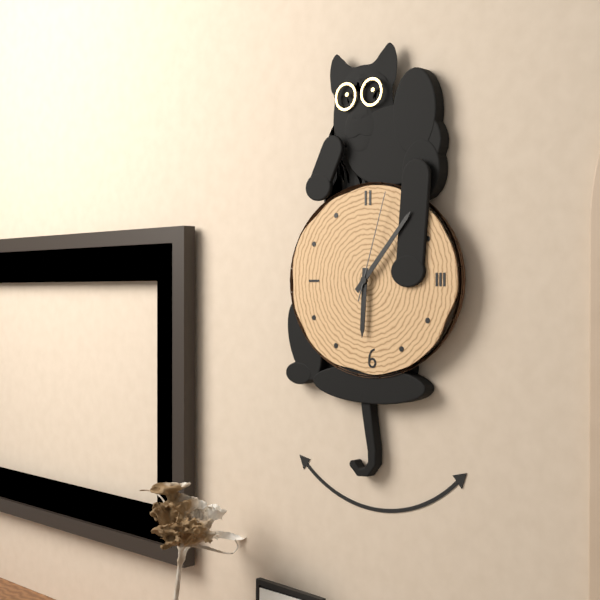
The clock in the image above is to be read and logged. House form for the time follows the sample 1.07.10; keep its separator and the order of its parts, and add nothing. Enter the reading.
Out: 6.07.03
